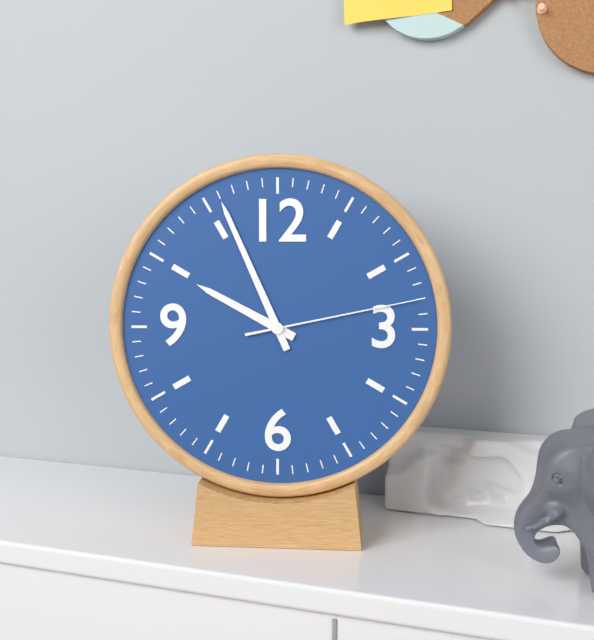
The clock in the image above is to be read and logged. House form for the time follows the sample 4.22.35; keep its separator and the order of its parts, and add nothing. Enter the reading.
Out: 9.56.13
